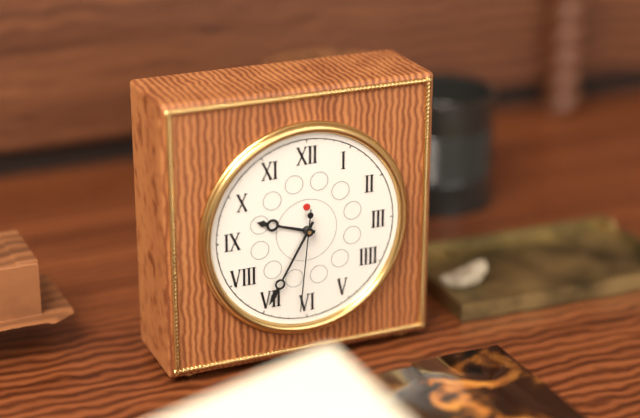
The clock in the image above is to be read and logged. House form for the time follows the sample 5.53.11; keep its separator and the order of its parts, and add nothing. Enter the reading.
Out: 9.35.31
